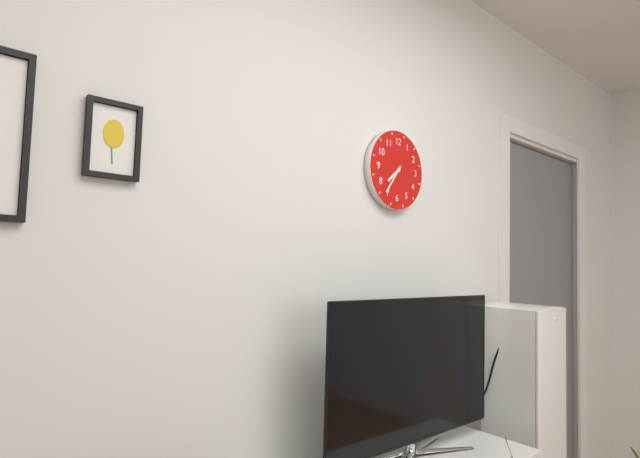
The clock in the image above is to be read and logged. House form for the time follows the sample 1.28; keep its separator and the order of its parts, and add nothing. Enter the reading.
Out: 7.36
